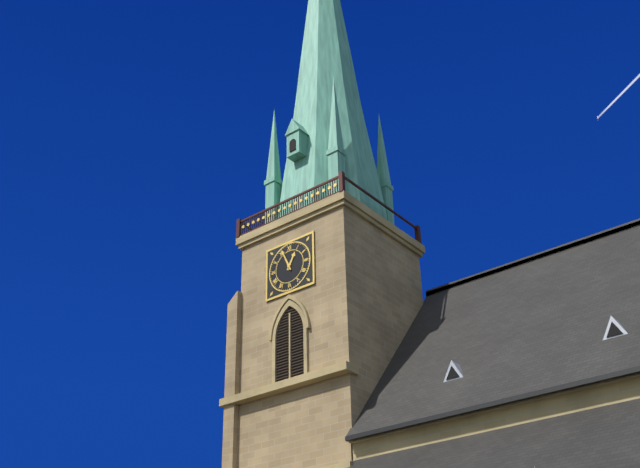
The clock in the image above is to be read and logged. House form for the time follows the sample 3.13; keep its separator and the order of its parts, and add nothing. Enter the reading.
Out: 12.56
